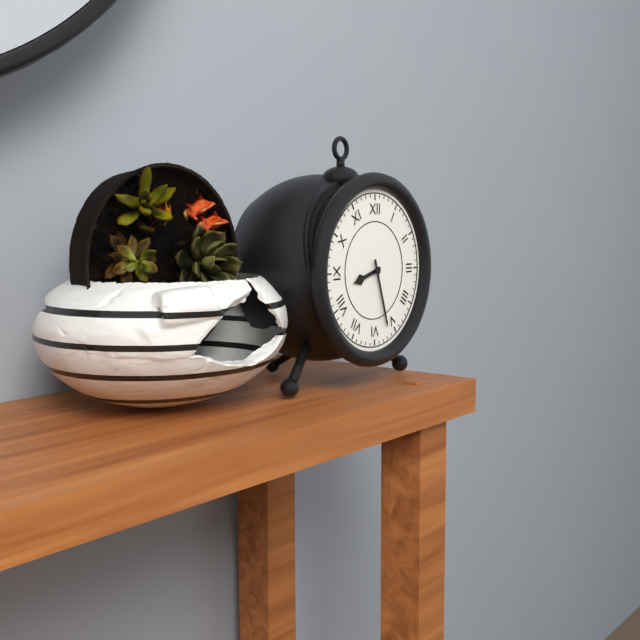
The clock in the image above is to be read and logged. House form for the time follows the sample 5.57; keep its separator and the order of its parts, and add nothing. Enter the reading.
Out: 8.27
